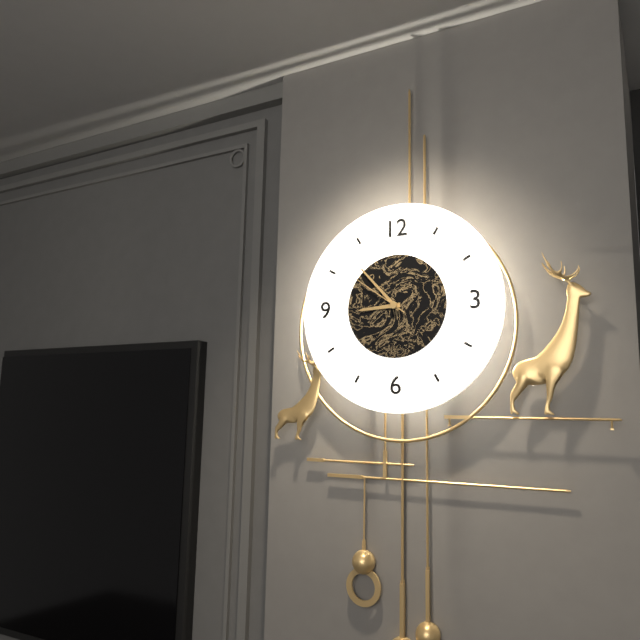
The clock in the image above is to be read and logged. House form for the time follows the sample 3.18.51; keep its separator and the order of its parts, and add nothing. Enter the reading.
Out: 8.53.51
